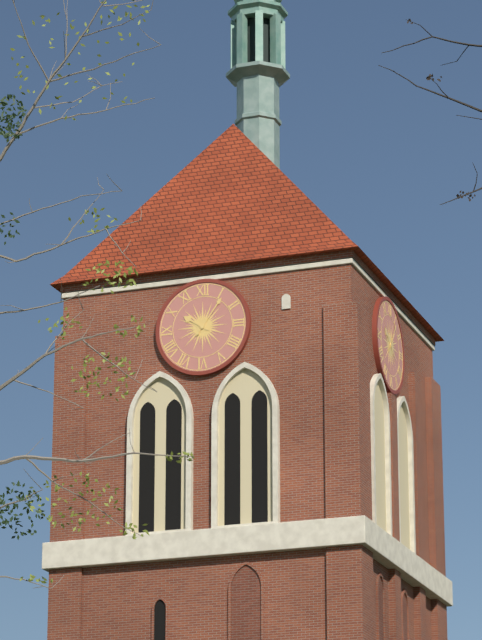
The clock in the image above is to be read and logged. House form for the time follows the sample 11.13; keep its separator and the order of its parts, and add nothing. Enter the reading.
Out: 10.06
